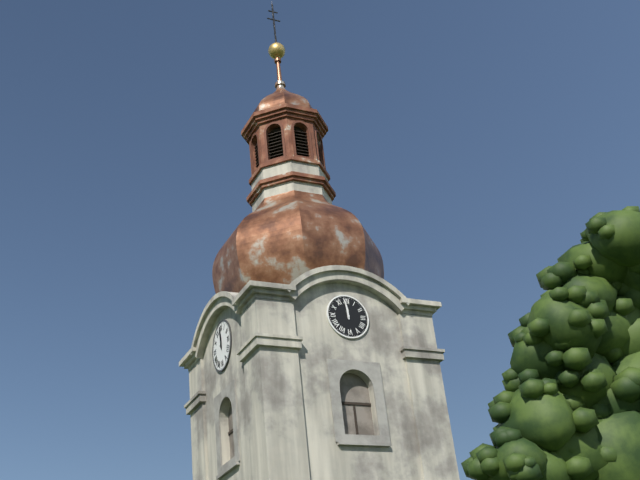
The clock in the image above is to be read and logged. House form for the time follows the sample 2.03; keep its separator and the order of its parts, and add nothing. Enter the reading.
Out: 11.59
